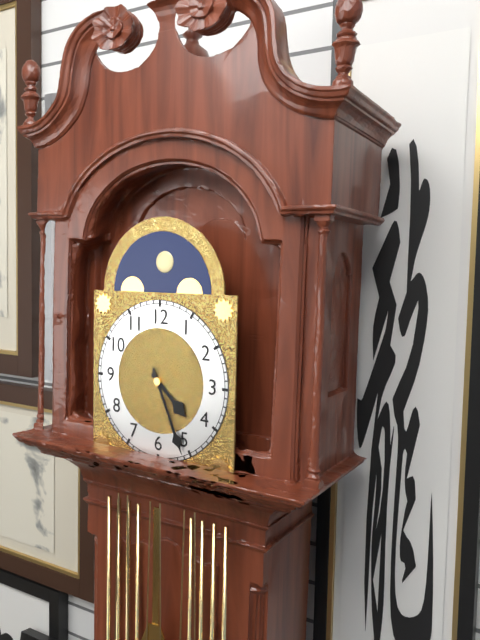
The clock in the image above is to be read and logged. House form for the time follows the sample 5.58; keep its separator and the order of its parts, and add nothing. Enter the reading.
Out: 4.26
